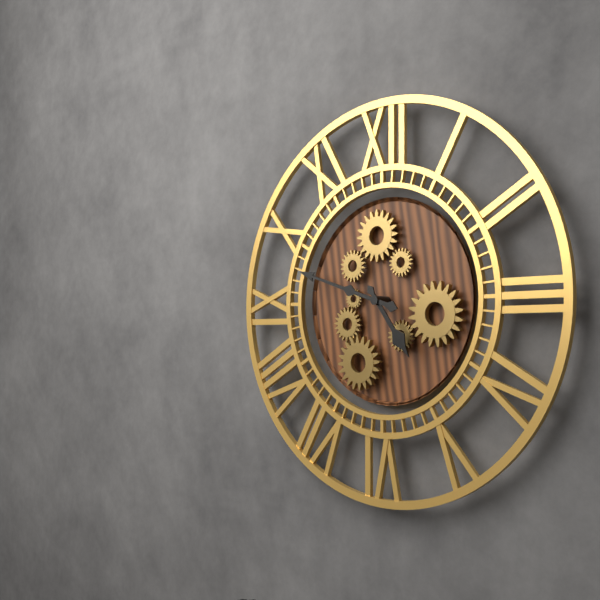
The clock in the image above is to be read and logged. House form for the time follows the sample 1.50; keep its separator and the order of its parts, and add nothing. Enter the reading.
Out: 4.48
